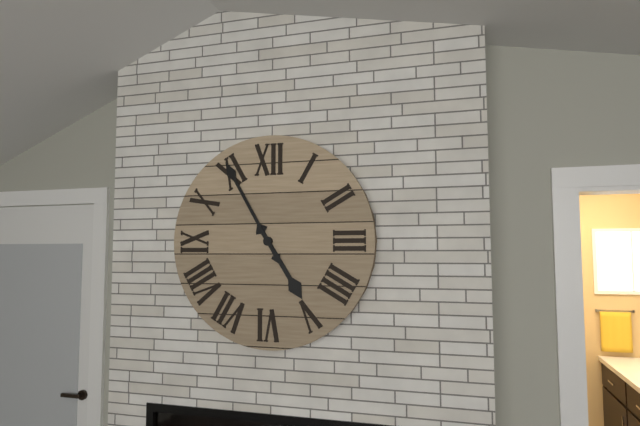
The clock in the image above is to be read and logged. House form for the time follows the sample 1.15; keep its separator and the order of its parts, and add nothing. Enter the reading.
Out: 4.55
